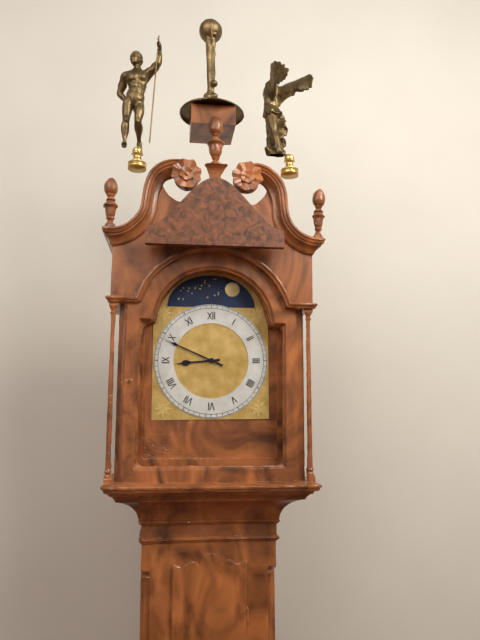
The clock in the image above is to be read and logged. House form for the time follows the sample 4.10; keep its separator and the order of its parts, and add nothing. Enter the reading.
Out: 8.49
